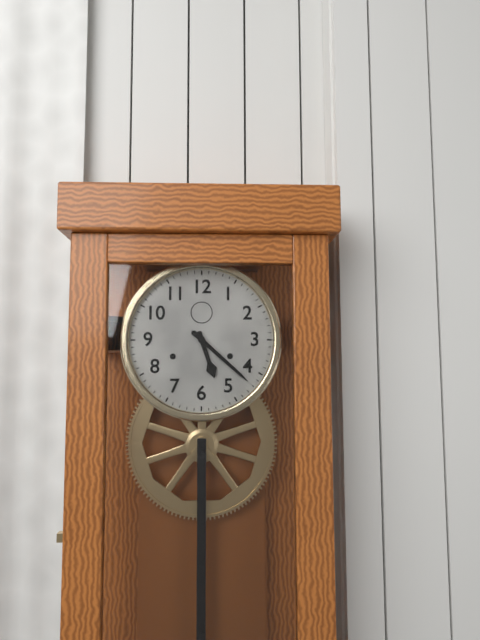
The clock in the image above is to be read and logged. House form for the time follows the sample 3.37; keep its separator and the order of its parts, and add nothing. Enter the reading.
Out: 5.22
